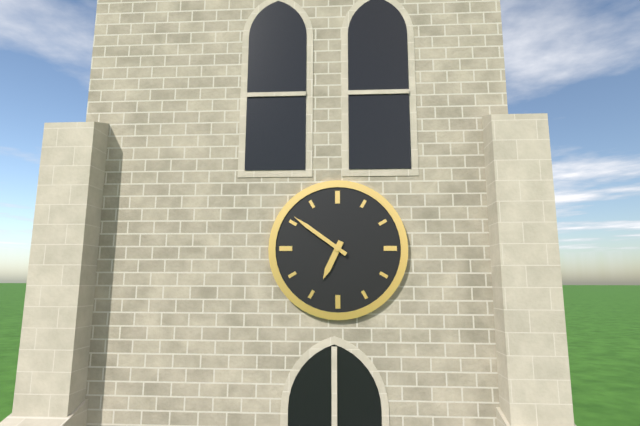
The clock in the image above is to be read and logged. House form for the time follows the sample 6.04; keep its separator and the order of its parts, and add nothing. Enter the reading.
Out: 6.51
